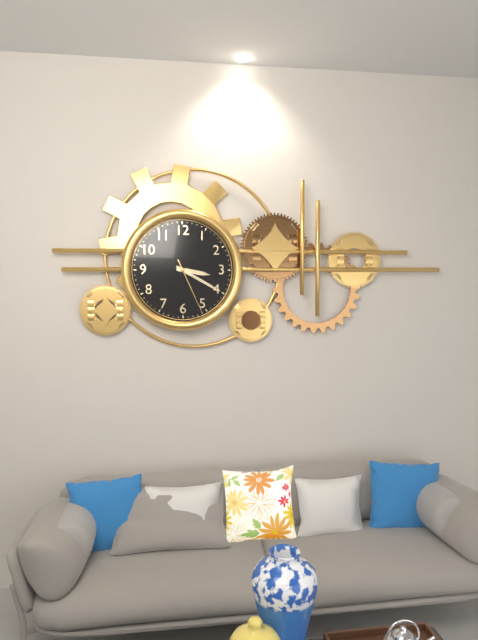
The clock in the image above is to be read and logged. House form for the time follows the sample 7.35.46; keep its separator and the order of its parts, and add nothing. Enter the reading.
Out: 3.20.26
